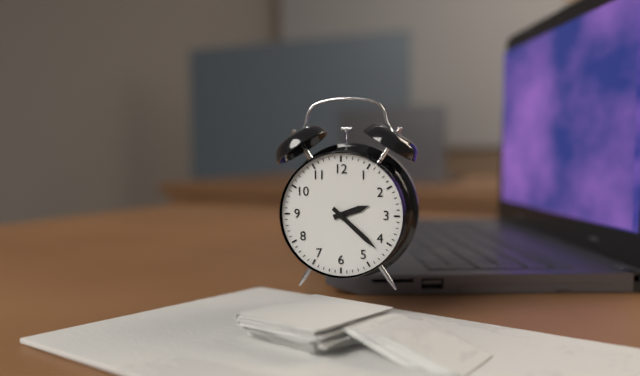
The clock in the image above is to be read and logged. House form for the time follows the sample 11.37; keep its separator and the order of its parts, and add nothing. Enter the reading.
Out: 2.22
